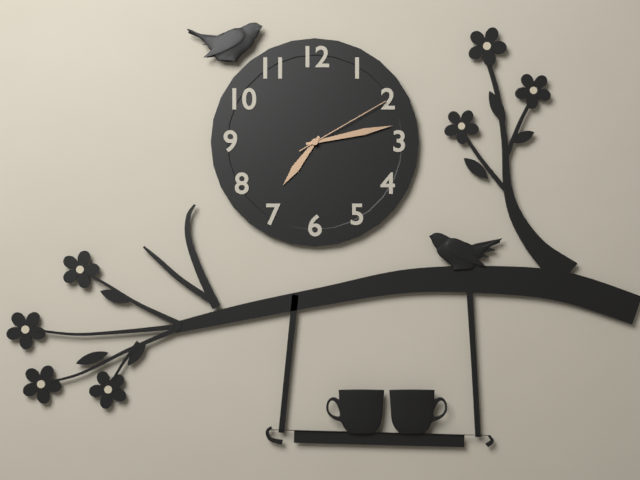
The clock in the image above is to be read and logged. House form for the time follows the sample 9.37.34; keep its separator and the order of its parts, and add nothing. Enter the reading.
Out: 7.13.10
